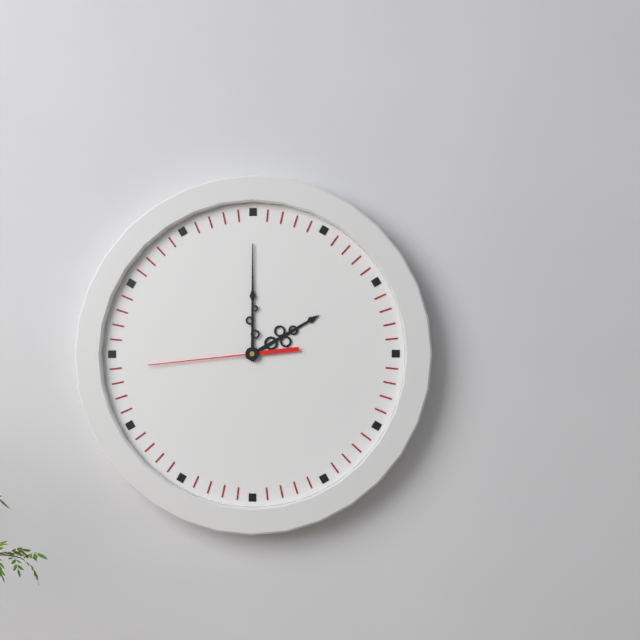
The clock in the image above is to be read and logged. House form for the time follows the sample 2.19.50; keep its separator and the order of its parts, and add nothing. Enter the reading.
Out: 2.00.44
